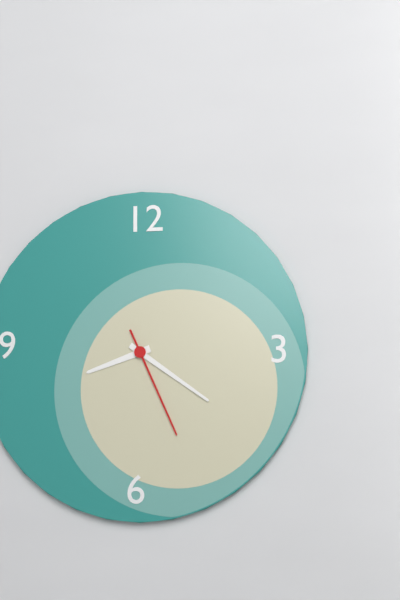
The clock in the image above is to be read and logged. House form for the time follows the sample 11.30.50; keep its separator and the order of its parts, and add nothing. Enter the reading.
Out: 8.21.26
